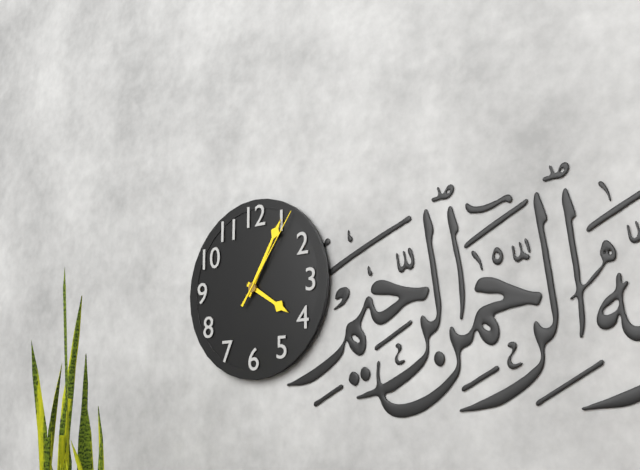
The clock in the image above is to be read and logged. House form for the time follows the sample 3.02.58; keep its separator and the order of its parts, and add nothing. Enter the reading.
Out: 4.05.06
